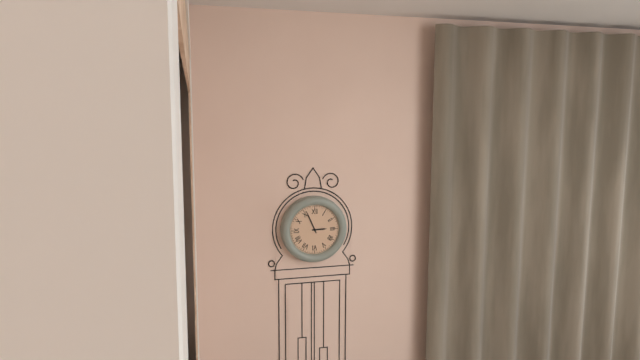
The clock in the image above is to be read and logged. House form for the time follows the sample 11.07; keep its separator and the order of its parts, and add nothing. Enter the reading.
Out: 2.56
